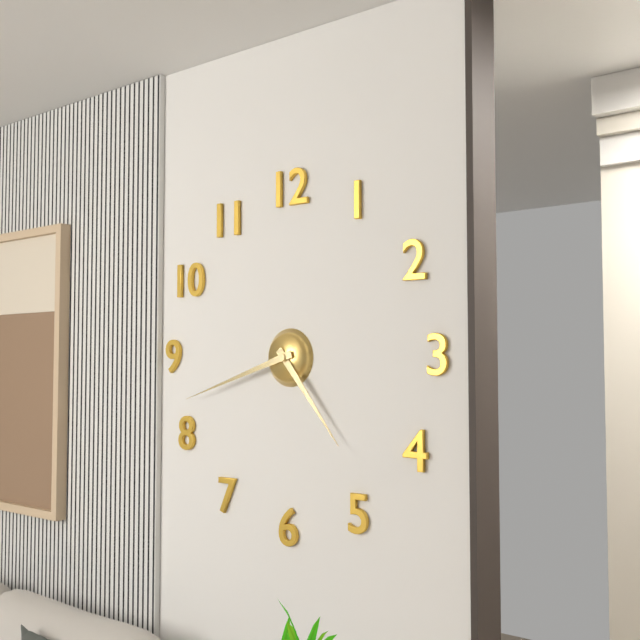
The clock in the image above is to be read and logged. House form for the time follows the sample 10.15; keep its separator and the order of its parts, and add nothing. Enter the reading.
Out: 4.42
